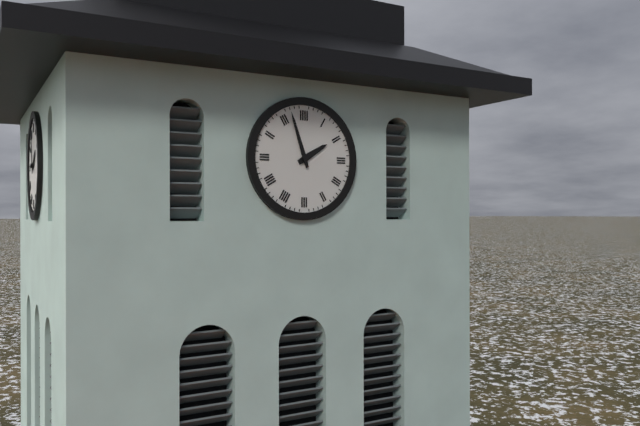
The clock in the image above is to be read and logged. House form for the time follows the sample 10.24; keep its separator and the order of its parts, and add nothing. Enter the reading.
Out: 1.57
